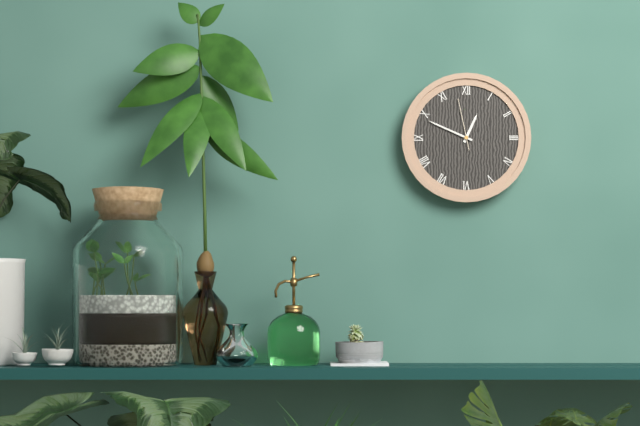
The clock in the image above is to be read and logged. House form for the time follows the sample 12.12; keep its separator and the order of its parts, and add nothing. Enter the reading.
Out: 12.49
